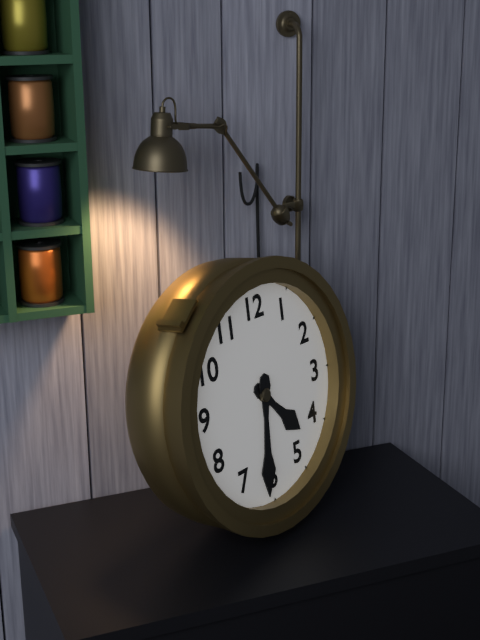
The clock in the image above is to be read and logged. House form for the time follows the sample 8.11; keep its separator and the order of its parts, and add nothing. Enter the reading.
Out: 4.31
